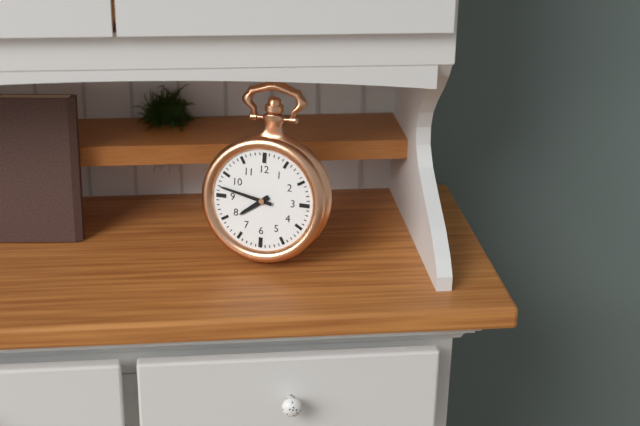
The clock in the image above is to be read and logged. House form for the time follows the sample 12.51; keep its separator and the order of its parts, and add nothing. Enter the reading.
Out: 7.47
